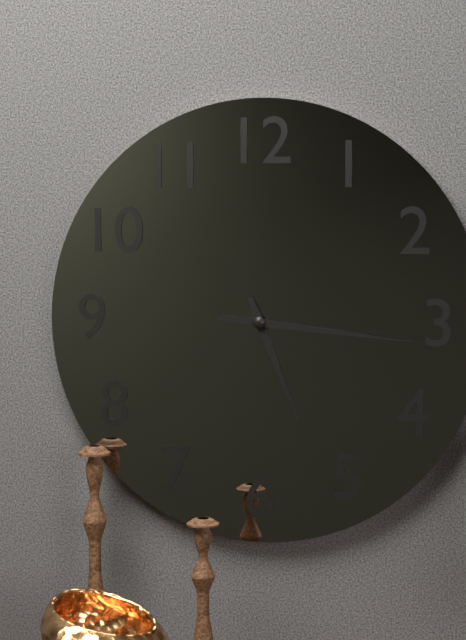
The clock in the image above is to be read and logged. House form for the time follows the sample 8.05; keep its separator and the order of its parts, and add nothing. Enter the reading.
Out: 5.16
